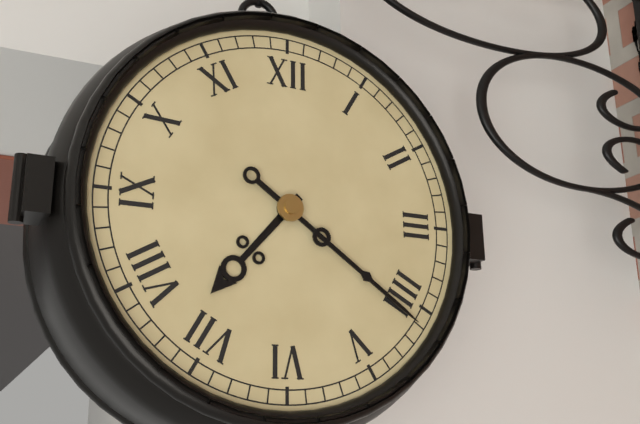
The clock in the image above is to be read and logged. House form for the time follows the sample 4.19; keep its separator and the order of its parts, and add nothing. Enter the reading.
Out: 7.21
